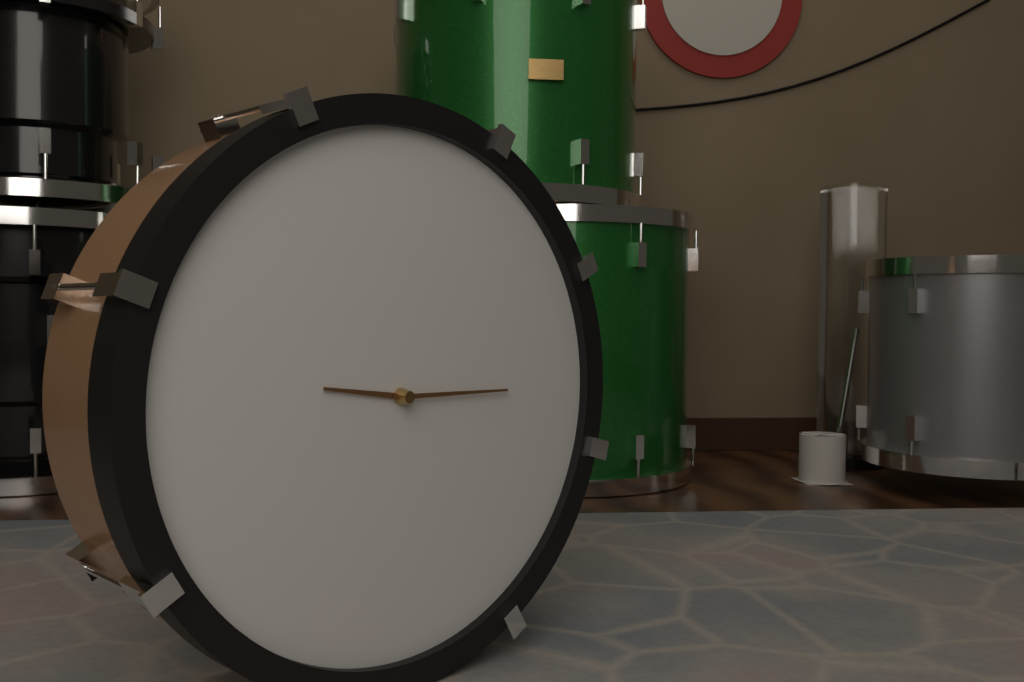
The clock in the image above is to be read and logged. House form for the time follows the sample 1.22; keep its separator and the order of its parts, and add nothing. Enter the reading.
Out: 9.15
